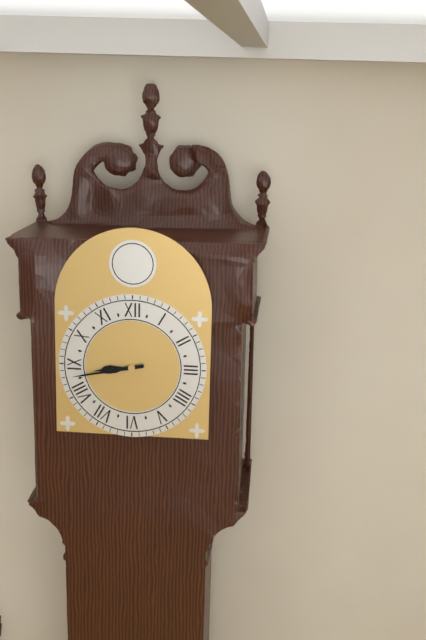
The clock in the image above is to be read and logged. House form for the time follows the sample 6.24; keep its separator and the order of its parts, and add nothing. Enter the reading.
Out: 8.43
